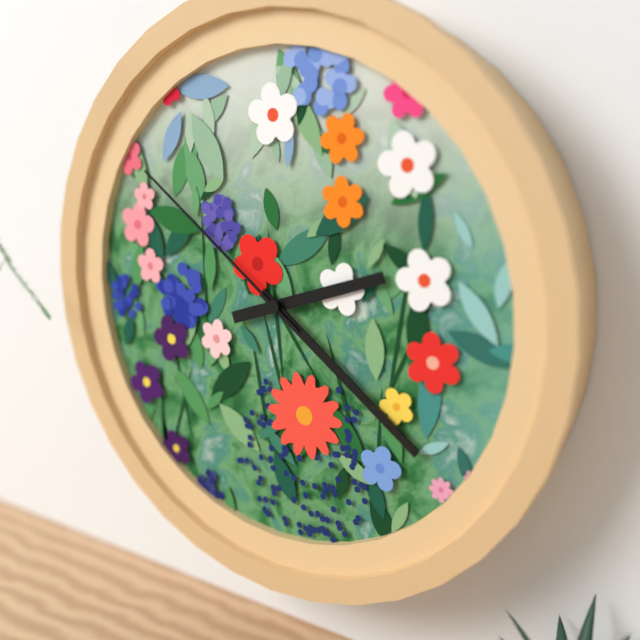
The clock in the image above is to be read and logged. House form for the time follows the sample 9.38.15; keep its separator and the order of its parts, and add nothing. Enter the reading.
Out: 2.21.51
